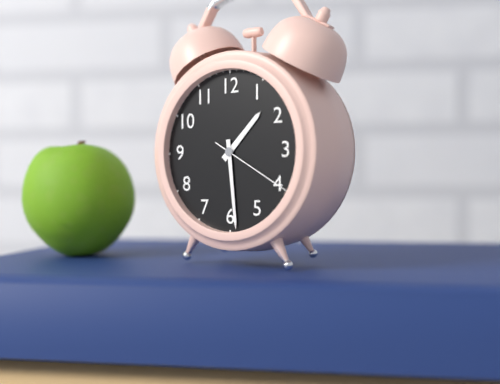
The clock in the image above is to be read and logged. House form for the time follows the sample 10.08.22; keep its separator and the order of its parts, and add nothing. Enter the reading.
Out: 1.29.20
